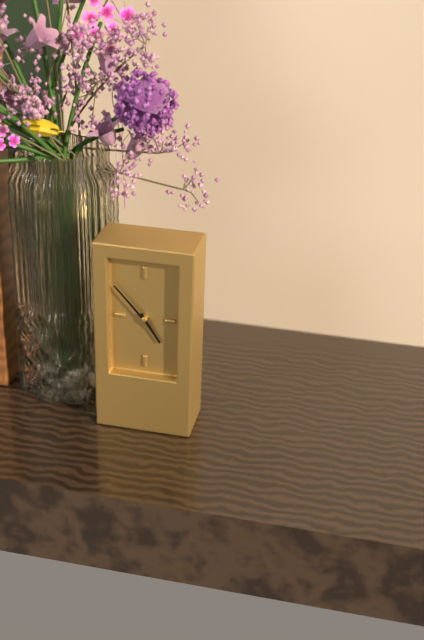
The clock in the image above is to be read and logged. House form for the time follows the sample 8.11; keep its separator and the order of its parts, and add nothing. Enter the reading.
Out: 4.53
